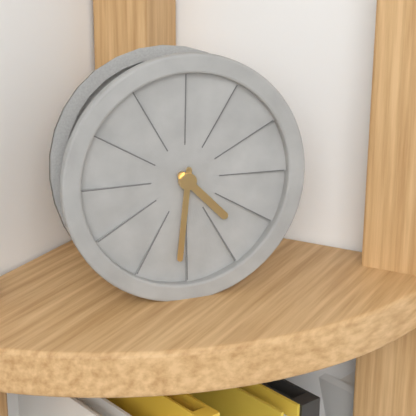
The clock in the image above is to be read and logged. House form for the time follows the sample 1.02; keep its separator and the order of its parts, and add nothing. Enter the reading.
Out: 4.31
